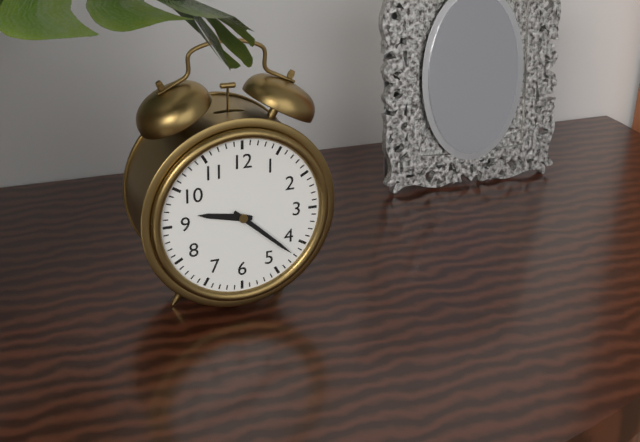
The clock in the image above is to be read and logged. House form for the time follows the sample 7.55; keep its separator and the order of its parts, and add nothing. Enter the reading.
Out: 9.22
